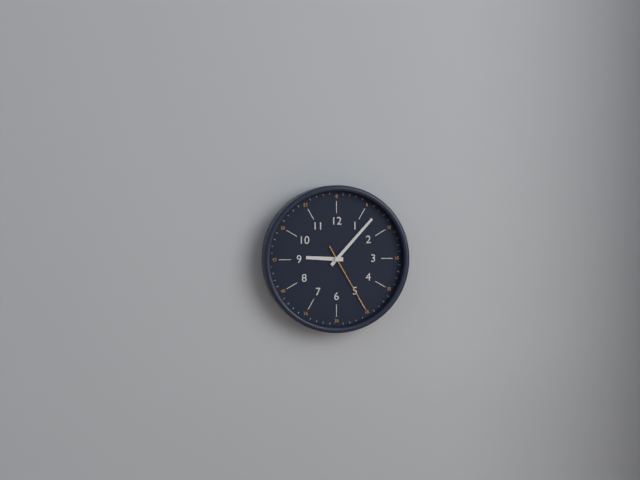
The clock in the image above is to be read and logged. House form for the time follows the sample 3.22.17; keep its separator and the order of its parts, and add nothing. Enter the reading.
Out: 9.07.25
